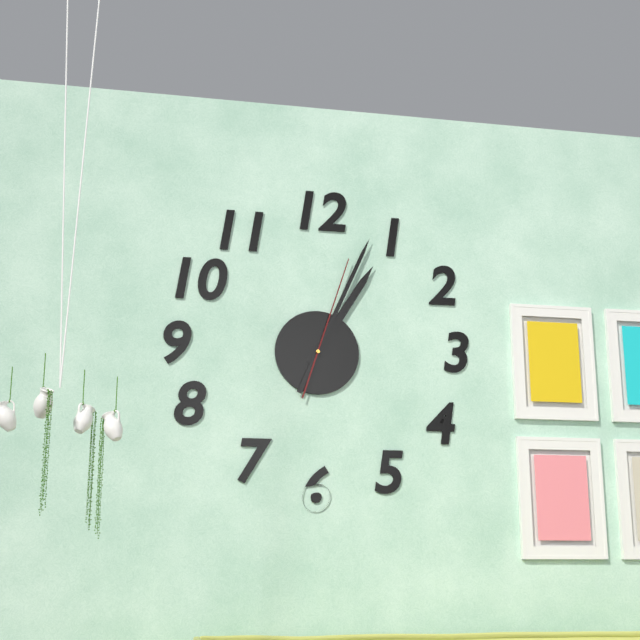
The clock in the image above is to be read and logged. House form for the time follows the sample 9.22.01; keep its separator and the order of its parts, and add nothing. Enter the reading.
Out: 1.04.03
